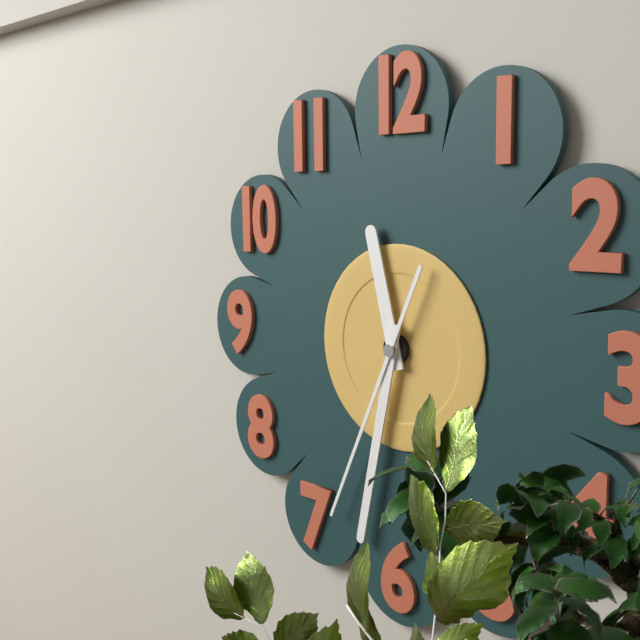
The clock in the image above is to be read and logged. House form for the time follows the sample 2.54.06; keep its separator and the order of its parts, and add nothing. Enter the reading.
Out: 11.32.34
